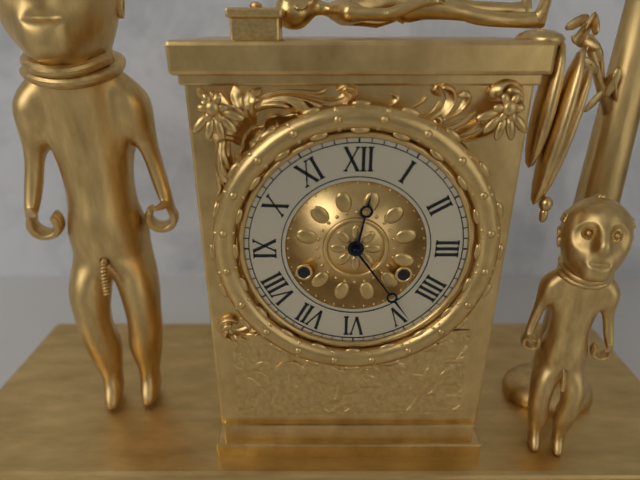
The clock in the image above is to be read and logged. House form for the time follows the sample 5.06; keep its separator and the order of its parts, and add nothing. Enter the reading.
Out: 12.24
